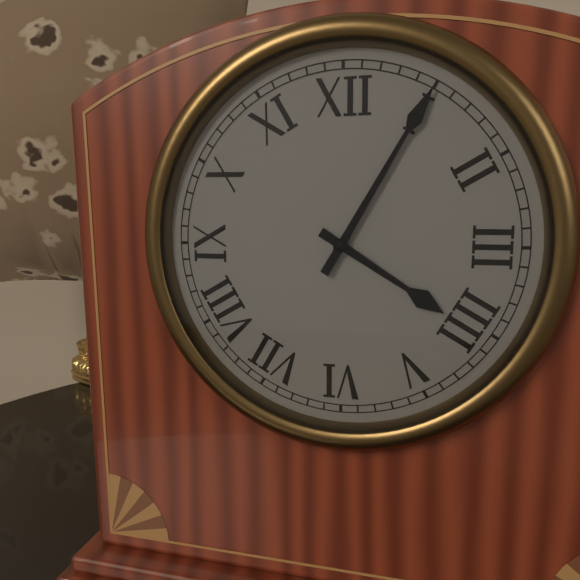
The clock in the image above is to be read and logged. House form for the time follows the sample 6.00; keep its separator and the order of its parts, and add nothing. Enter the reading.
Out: 4.05
